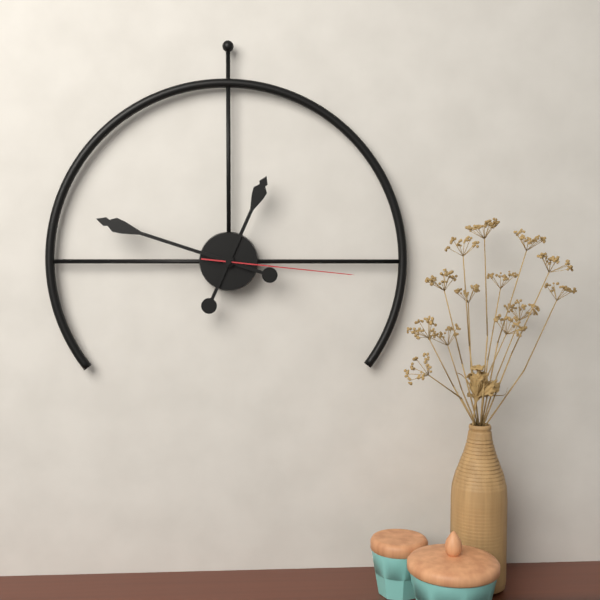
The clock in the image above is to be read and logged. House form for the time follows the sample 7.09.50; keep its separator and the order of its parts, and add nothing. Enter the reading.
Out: 12.48.16
